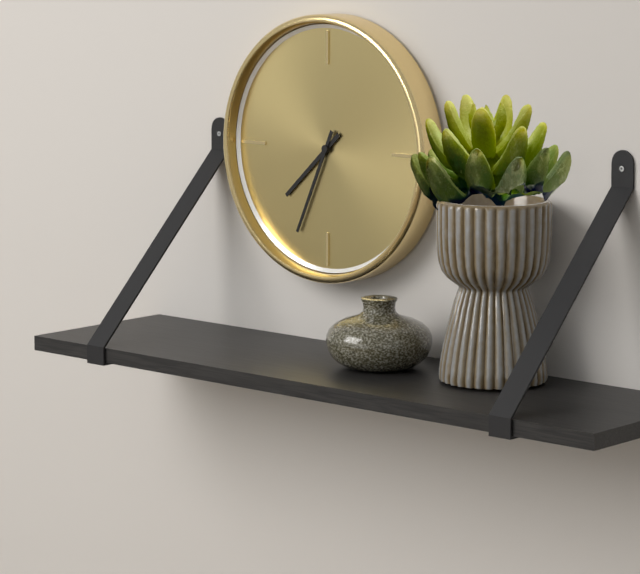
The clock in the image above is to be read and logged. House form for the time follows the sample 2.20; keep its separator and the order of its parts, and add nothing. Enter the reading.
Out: 7.34
